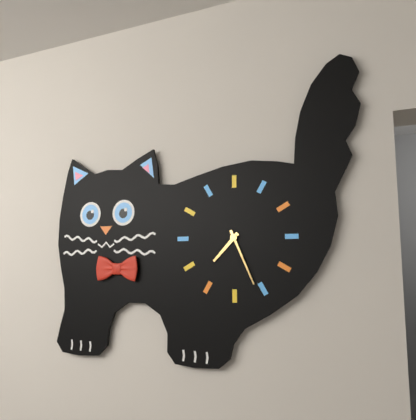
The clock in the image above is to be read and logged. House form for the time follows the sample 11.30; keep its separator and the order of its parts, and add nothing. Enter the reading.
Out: 7.26
